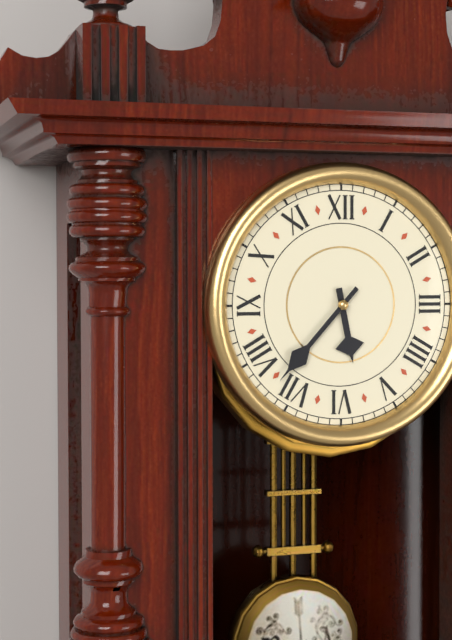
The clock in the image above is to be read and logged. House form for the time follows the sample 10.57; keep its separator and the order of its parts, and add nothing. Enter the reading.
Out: 5.37
